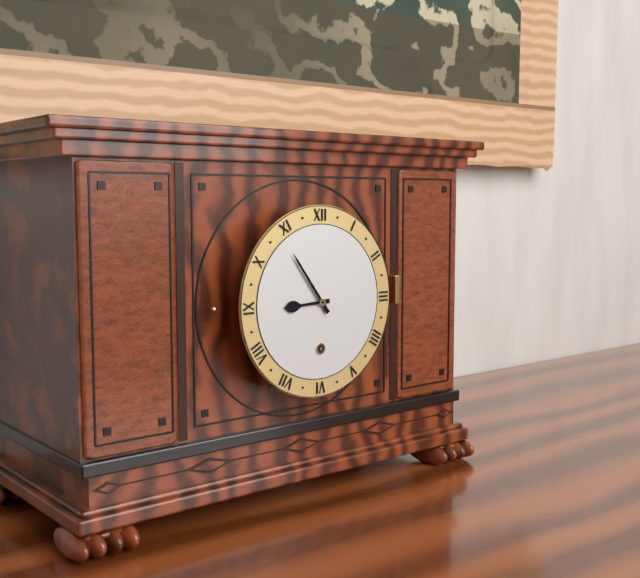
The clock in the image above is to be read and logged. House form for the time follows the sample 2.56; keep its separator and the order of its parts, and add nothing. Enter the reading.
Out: 8.54
